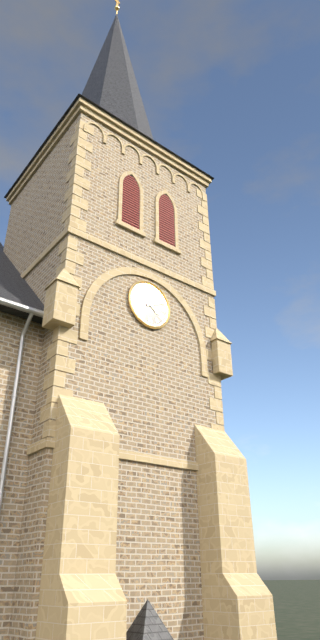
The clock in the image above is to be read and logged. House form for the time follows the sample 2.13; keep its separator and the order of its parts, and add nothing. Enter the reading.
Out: 4.11
